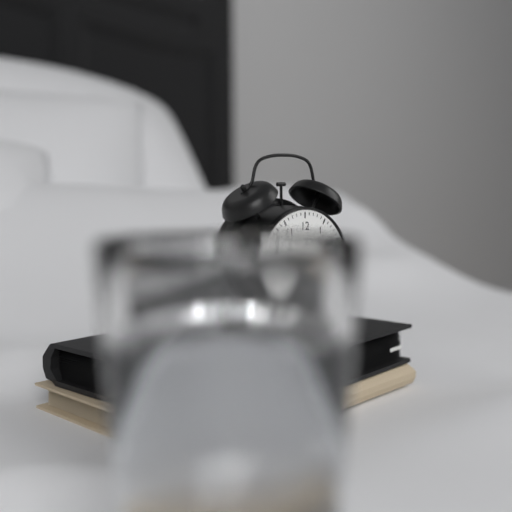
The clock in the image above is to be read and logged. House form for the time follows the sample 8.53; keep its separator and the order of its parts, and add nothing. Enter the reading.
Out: 1.50
